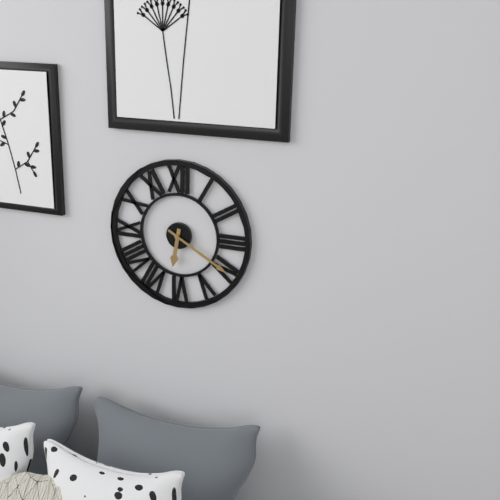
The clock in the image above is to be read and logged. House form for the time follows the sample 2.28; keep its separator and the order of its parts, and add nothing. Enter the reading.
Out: 6.20
